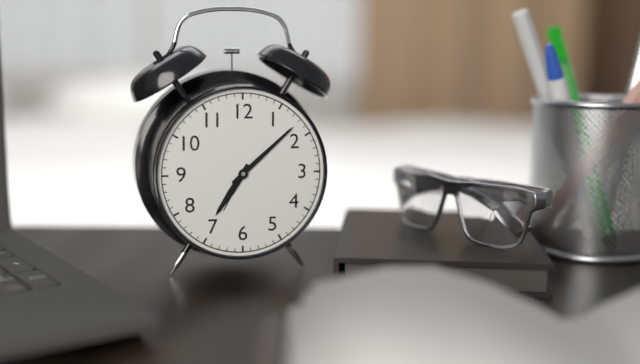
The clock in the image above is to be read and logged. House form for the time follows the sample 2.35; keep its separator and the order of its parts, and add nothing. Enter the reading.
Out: 7.08
